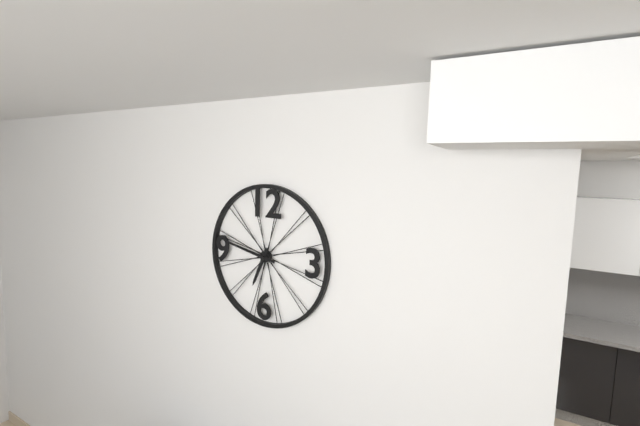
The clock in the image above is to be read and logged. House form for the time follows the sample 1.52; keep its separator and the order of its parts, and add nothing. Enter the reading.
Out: 6.47
